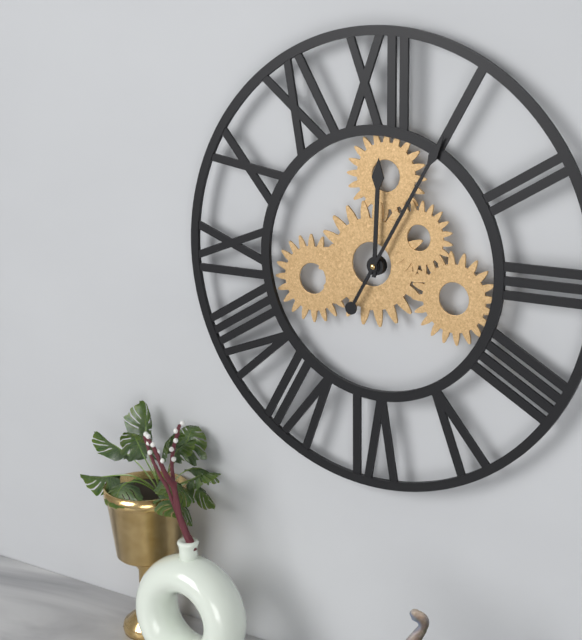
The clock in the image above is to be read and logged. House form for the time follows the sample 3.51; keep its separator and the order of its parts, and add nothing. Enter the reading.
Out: 12.05
